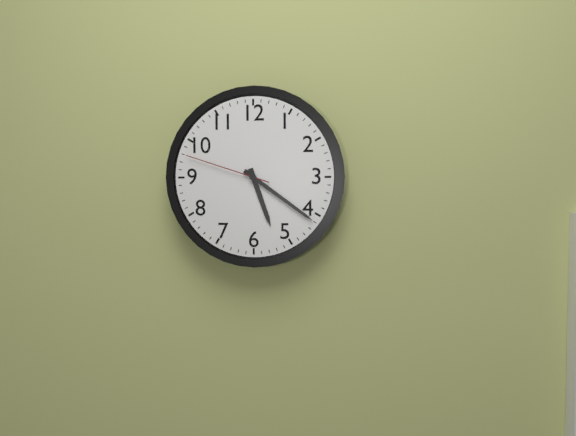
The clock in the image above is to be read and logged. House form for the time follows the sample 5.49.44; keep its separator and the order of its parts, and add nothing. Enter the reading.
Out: 5.21.48
